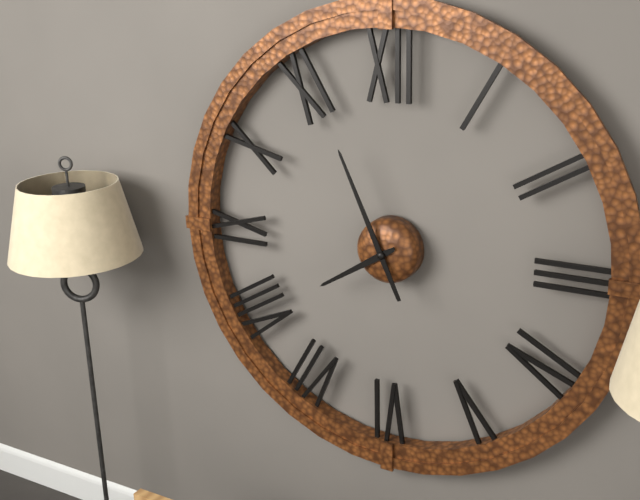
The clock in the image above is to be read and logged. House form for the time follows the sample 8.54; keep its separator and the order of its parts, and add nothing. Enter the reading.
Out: 7.56
